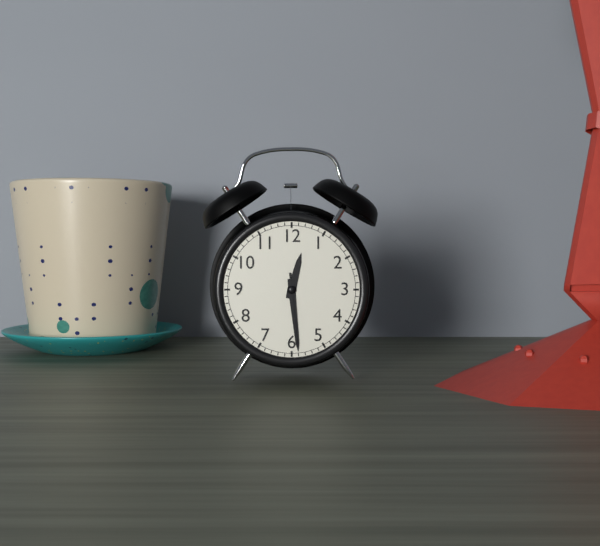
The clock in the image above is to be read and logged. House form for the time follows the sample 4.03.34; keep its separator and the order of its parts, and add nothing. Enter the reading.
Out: 12.29.29
